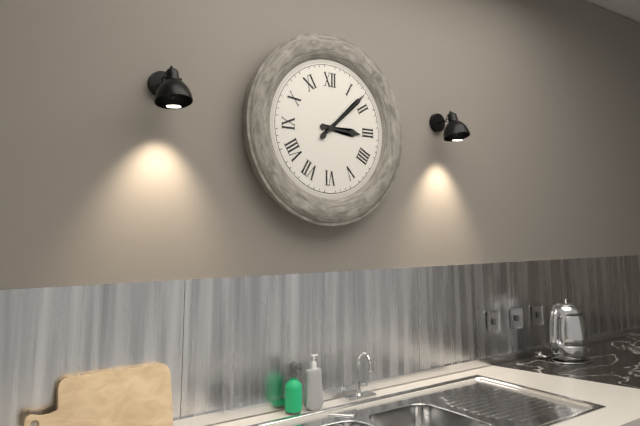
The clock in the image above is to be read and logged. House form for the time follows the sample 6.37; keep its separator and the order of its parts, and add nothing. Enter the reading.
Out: 3.08
